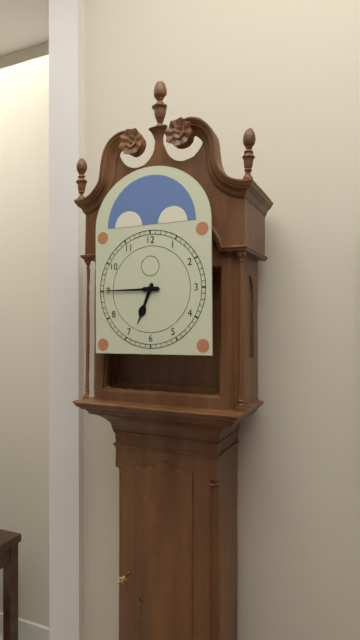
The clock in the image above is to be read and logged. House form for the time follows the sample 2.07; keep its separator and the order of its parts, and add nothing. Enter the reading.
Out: 6.45
